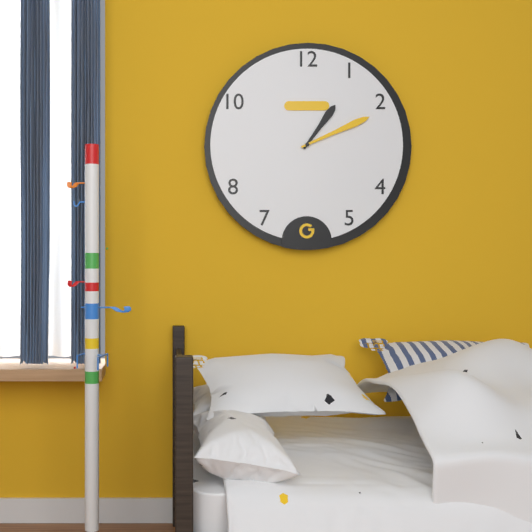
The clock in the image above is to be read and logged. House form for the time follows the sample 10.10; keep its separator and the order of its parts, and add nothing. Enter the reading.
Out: 1.11
